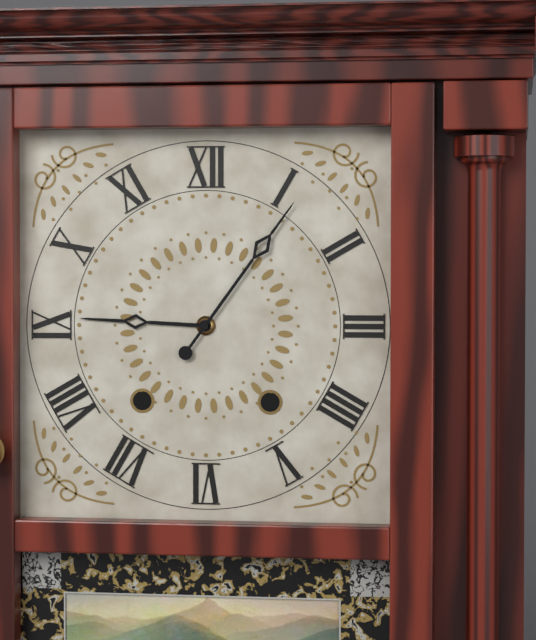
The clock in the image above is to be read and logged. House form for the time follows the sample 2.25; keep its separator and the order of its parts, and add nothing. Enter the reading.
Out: 9.06
